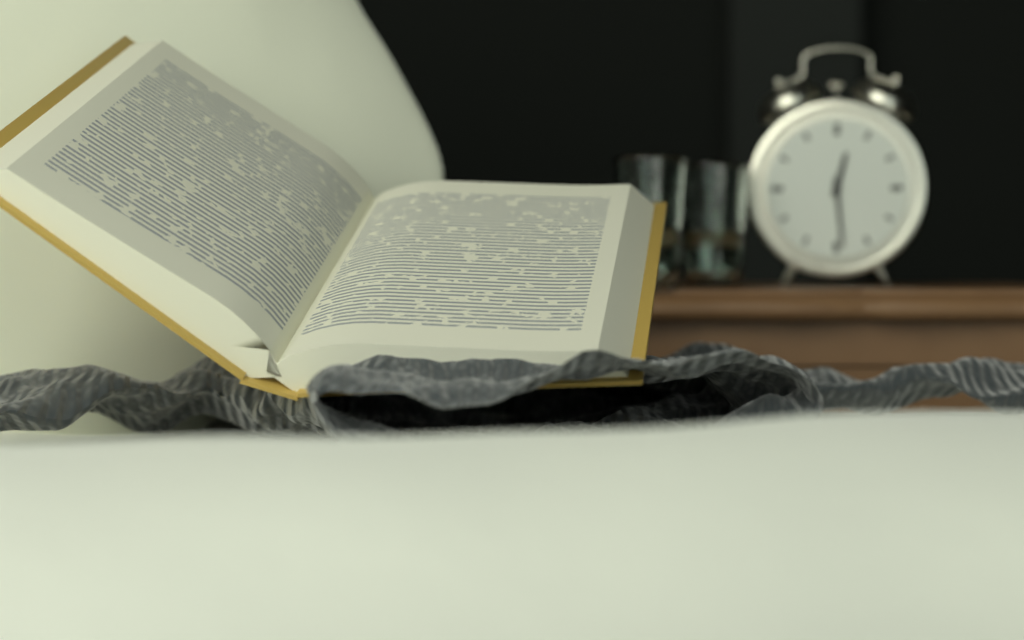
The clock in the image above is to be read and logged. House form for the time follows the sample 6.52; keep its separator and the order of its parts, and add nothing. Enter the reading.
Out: 12.29
